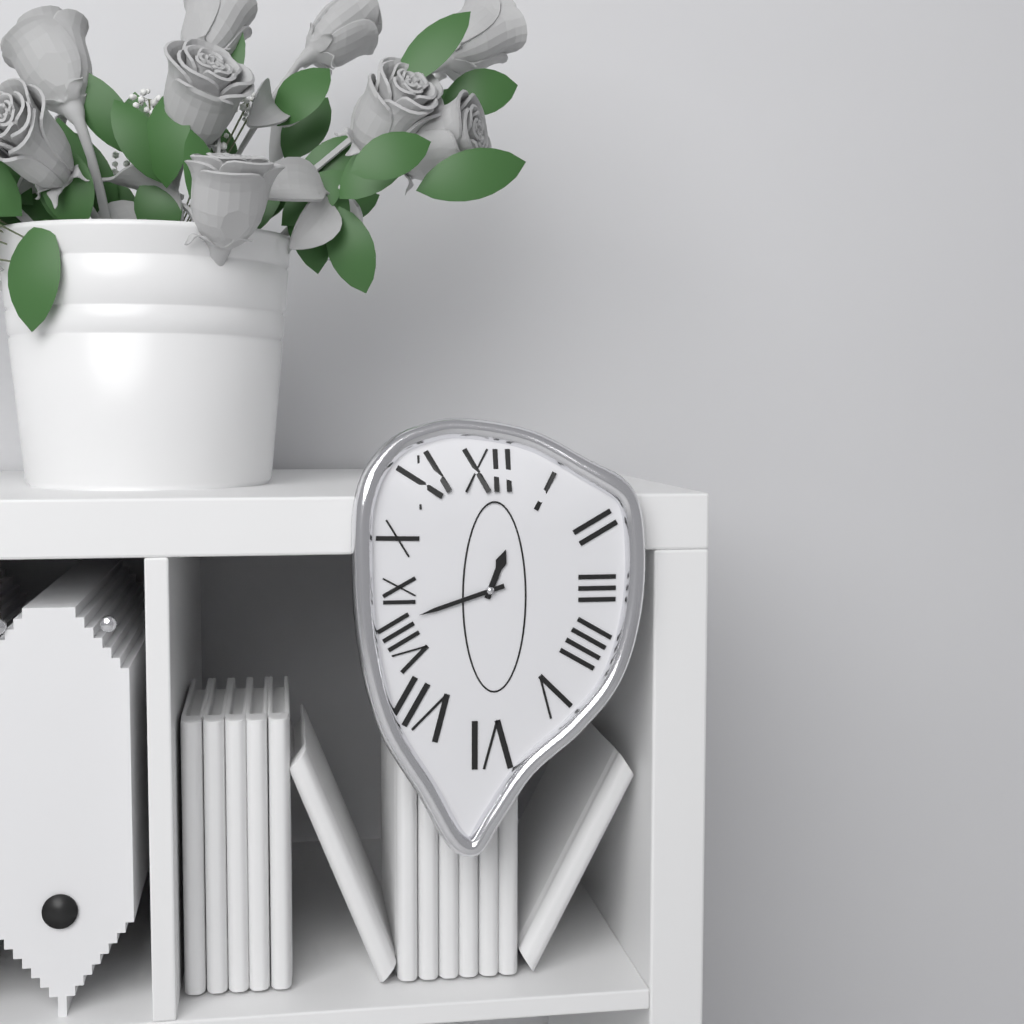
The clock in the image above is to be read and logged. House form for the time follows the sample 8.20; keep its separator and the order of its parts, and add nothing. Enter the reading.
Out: 12.42
